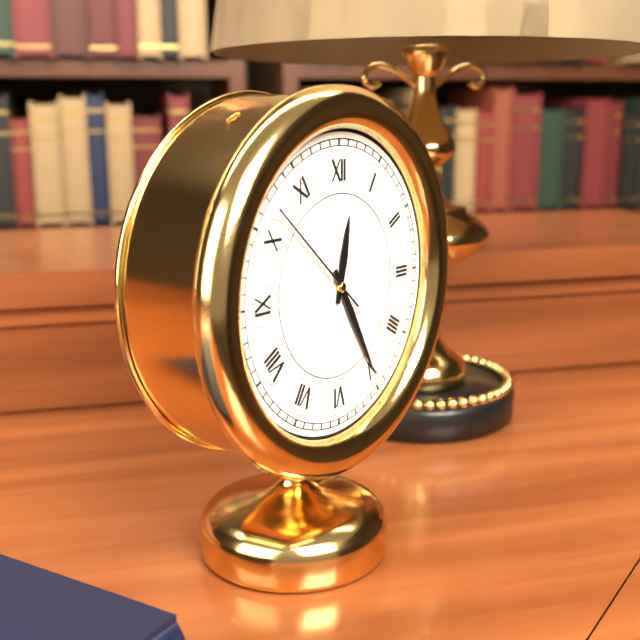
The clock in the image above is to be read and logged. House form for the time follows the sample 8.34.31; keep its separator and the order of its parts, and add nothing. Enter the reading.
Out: 12.25.52
